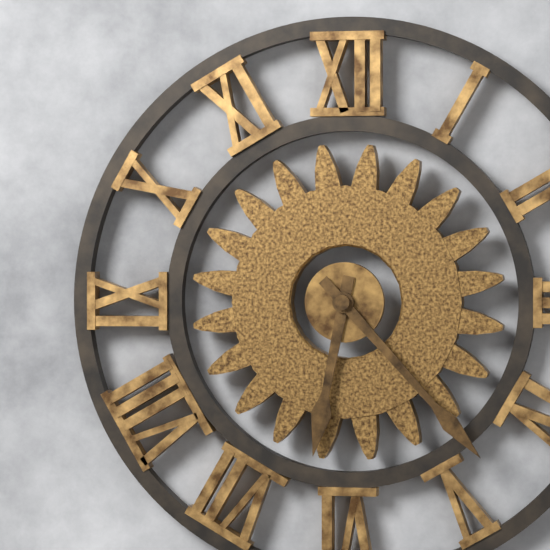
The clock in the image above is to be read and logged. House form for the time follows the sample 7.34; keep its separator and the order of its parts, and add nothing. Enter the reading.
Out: 6.23
